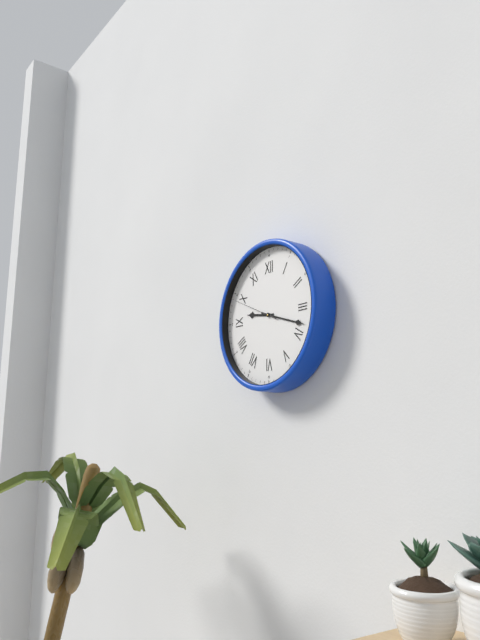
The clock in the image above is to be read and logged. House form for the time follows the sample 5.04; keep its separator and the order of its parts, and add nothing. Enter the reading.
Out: 9.18
